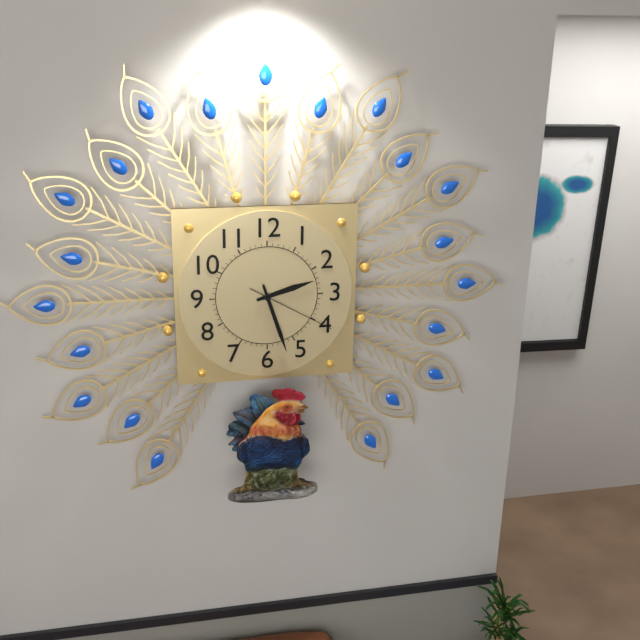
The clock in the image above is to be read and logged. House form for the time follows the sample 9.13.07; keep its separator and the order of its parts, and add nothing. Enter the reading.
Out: 2.27.20
